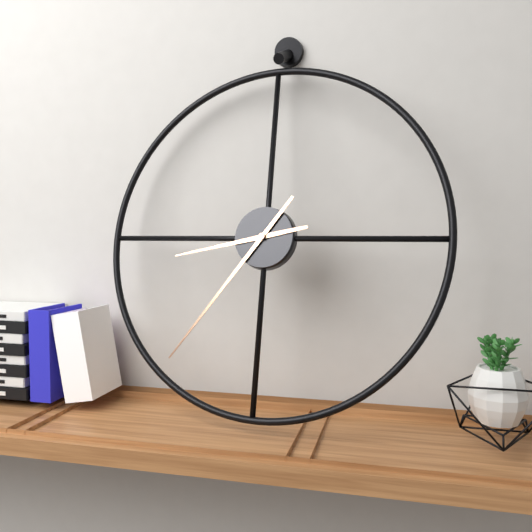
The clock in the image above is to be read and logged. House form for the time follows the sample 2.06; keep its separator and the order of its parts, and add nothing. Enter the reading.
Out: 8.36
